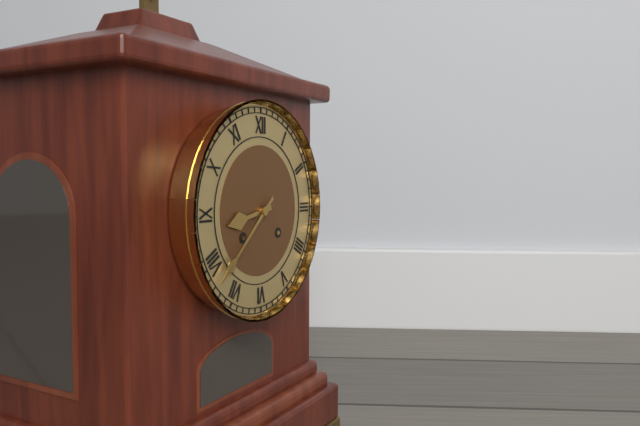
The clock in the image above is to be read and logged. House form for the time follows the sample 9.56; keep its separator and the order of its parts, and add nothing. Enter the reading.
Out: 8.38
